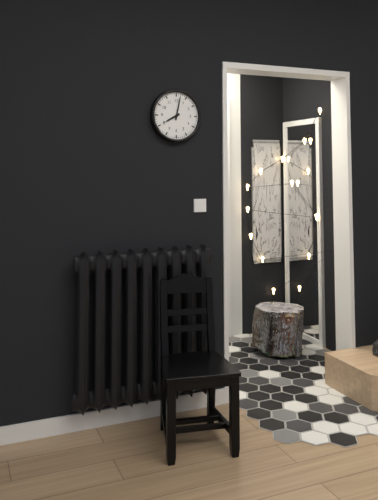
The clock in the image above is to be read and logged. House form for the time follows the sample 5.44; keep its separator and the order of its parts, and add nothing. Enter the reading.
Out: 8.02
